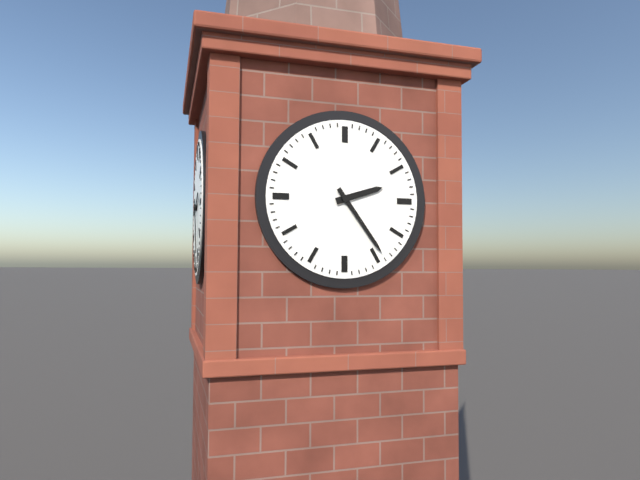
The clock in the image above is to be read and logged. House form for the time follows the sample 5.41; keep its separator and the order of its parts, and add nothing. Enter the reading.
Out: 2.24
